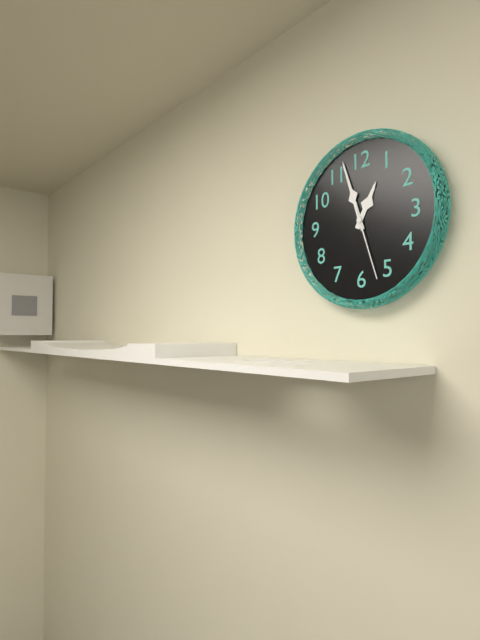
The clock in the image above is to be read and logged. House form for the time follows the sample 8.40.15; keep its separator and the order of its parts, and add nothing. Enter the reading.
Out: 12.57.27
